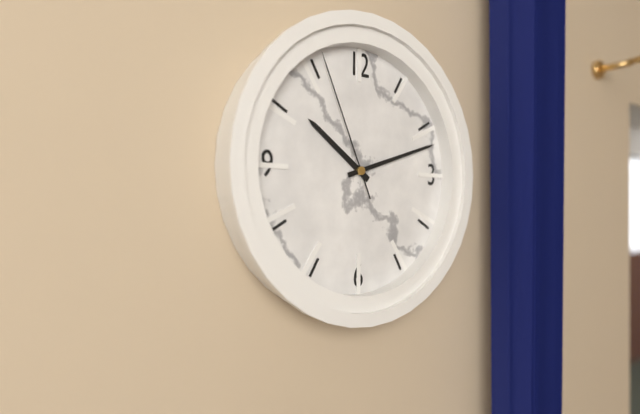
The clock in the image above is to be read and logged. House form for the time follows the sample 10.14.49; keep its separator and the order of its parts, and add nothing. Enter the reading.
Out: 10.12.56
